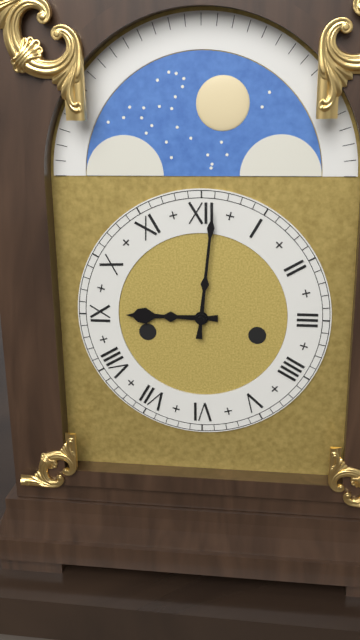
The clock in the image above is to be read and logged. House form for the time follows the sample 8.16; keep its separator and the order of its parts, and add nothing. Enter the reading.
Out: 9.01
